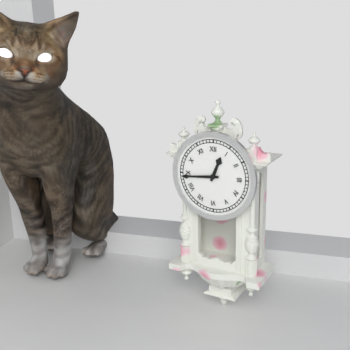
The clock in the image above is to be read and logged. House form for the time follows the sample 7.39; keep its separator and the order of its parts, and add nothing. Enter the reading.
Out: 12.44
